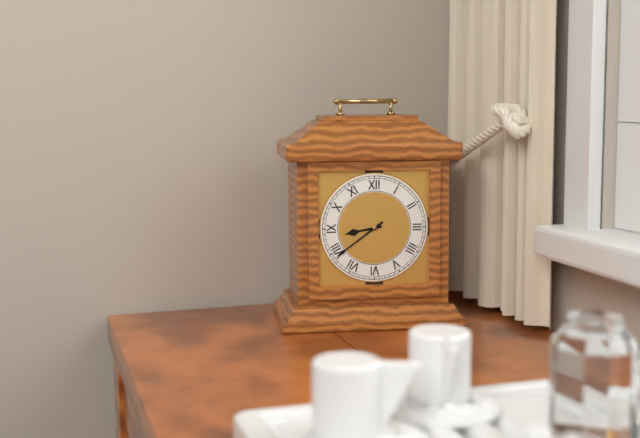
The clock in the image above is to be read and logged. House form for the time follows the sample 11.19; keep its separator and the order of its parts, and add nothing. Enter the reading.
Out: 8.39
